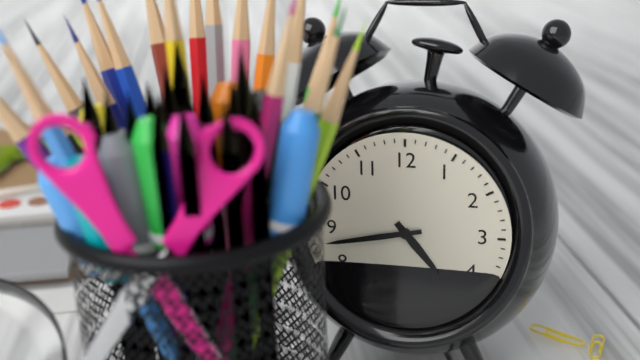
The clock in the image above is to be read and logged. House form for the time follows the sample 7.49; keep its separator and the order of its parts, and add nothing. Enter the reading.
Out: 4.43
